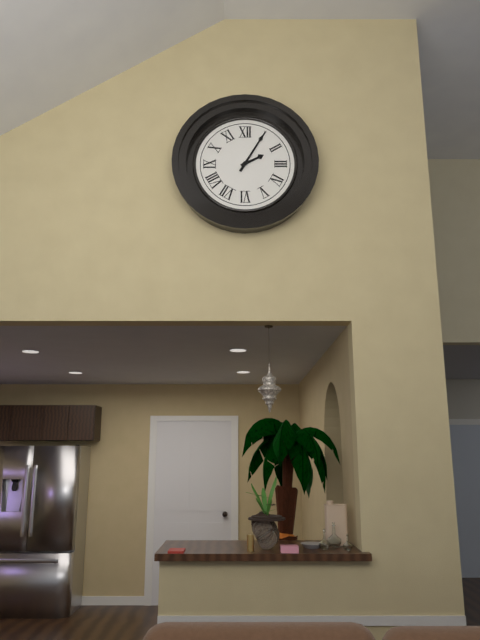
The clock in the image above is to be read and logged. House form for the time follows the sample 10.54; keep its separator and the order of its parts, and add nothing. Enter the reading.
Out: 2.05
